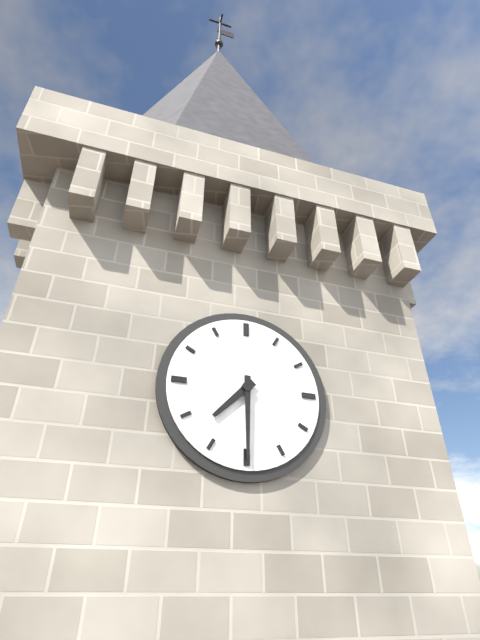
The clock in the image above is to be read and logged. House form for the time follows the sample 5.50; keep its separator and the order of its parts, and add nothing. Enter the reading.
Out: 7.30
